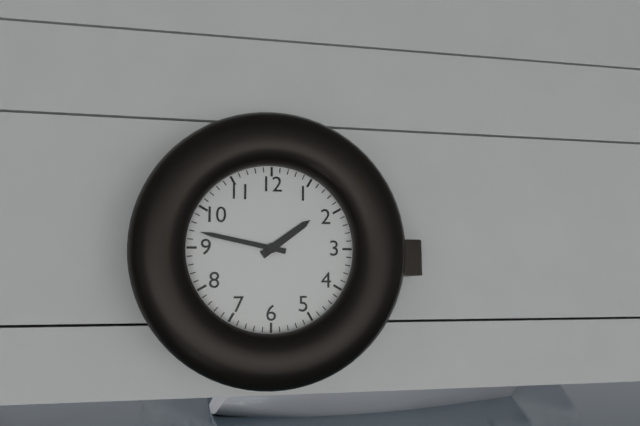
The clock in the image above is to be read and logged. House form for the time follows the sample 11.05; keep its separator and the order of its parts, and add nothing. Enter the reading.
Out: 1.47
